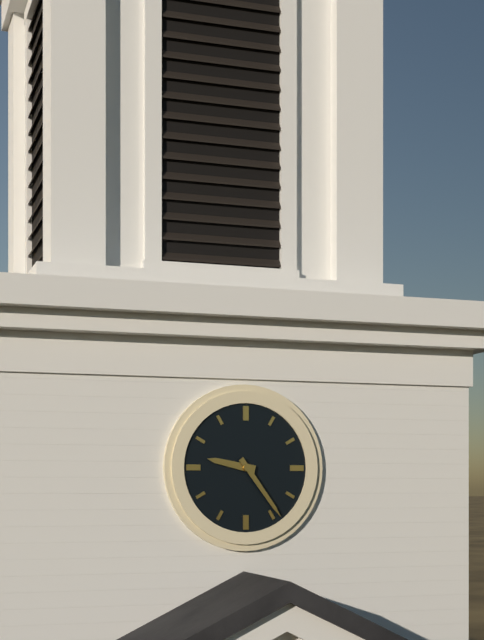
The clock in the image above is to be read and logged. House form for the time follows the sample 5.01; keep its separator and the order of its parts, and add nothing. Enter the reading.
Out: 9.24
